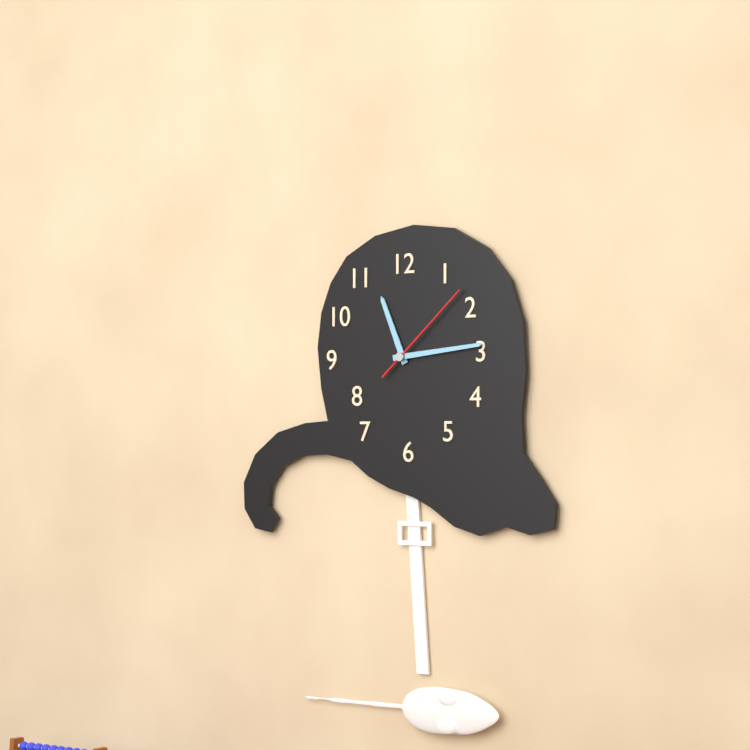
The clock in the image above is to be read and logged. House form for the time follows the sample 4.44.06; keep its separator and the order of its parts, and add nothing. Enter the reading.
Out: 11.14.08
